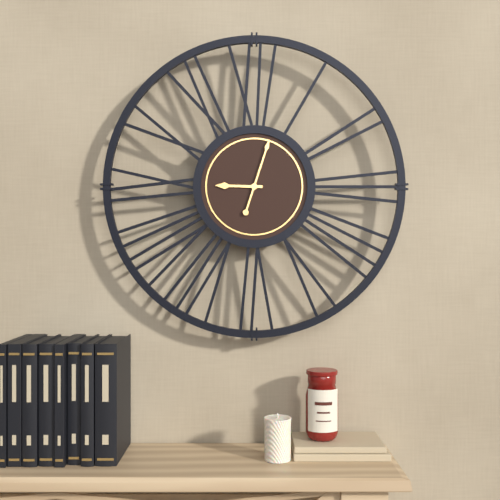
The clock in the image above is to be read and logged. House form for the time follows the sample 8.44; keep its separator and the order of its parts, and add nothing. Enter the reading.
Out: 9.03
